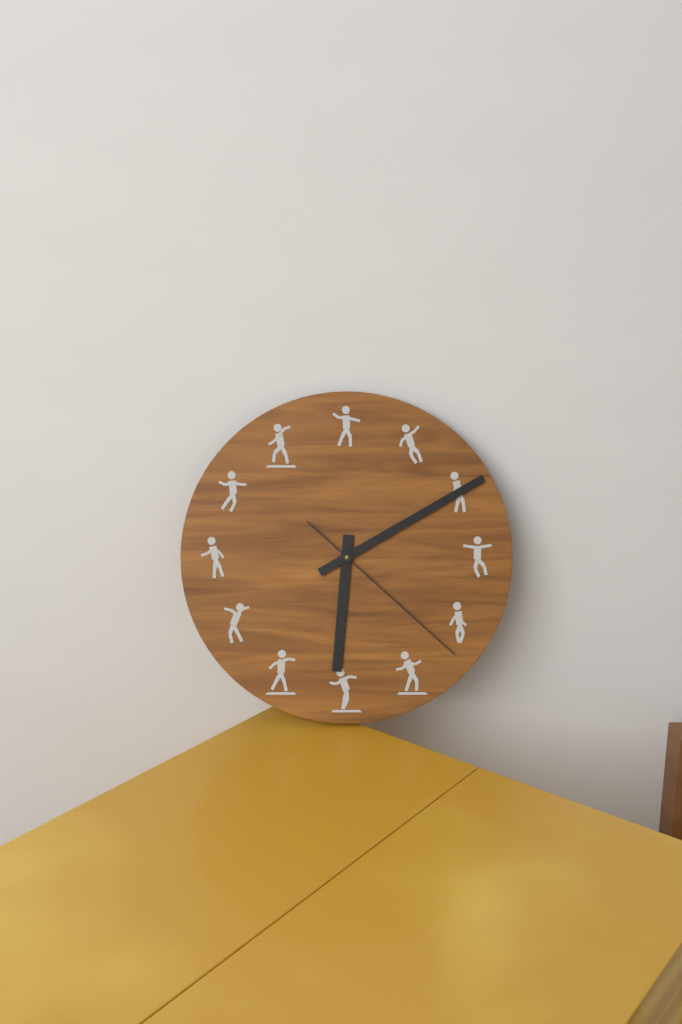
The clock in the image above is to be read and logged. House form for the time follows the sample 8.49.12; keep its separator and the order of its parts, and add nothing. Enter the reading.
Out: 6.10.22
